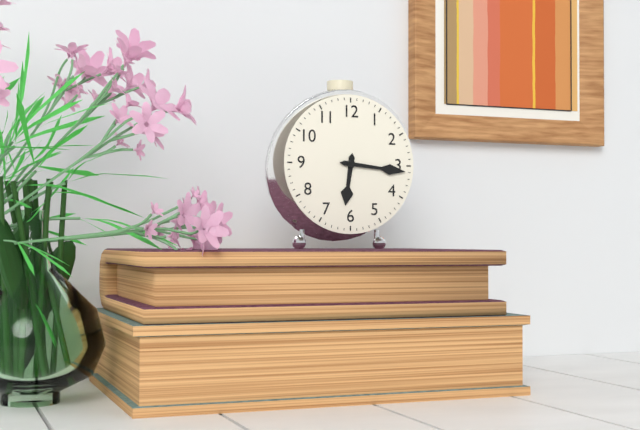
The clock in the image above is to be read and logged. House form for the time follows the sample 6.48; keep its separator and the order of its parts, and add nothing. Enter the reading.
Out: 6.16
